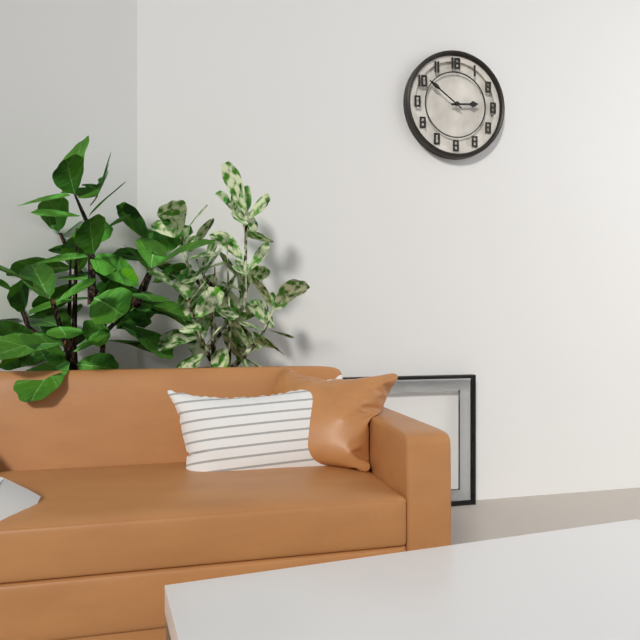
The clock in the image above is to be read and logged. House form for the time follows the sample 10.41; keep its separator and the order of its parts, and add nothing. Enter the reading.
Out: 2.51
